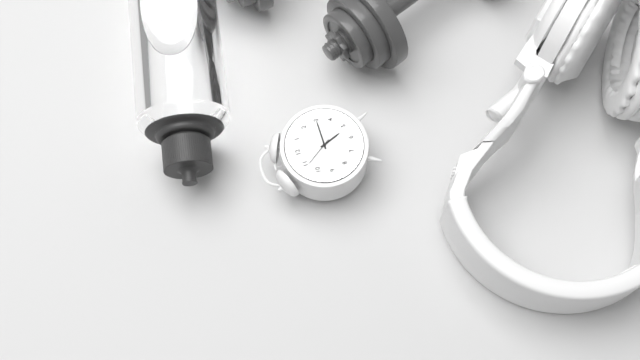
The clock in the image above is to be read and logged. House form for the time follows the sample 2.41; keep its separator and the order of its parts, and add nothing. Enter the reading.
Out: 5.15
